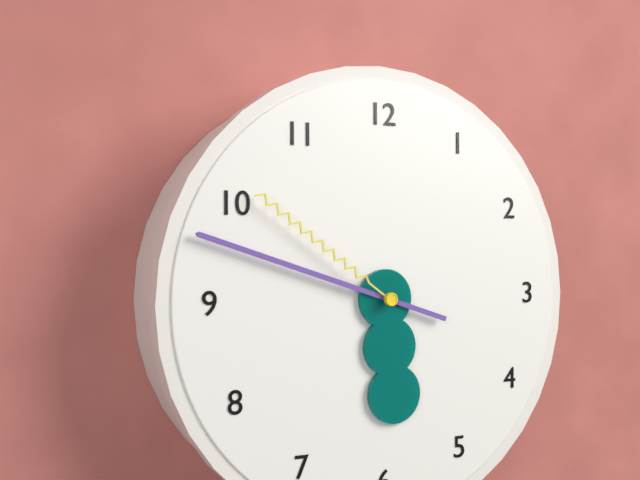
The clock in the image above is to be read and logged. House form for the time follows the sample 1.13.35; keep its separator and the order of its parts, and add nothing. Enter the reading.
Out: 5.48.51
